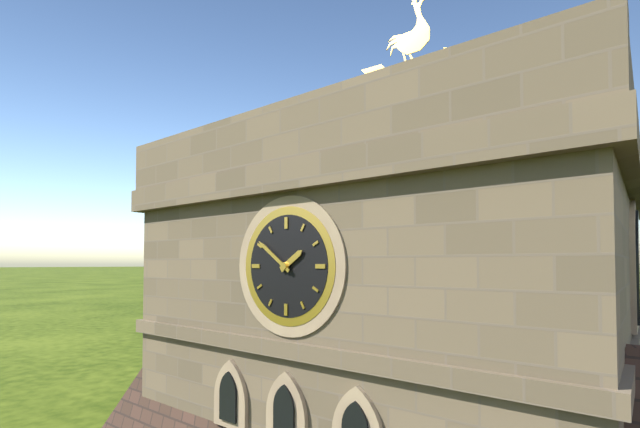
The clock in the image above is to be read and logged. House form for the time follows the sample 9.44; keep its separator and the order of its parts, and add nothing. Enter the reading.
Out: 1.51
